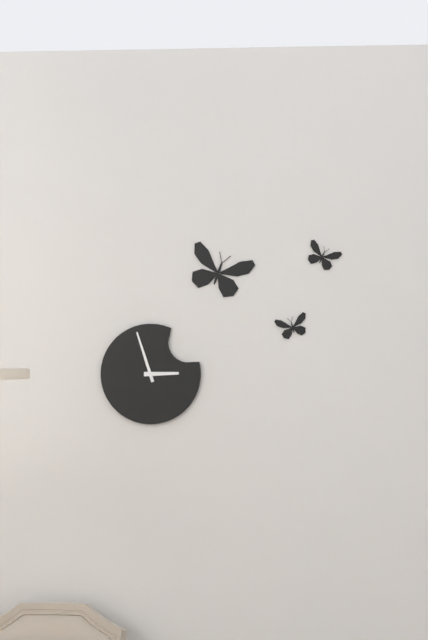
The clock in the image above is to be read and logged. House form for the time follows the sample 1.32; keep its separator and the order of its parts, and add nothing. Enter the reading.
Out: 2.57
